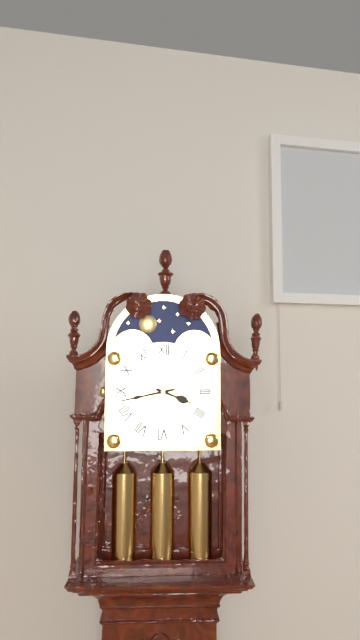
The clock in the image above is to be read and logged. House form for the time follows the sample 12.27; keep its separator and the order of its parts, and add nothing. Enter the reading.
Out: 3.43
